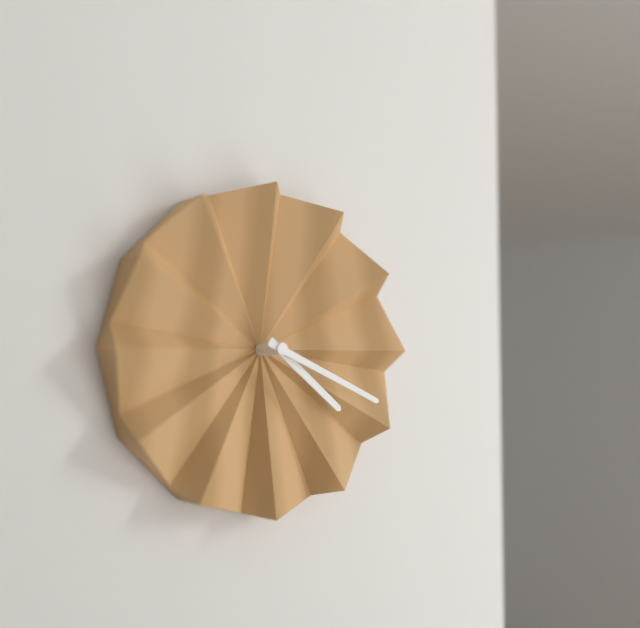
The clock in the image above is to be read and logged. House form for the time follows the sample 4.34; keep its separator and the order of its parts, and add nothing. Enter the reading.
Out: 4.19
